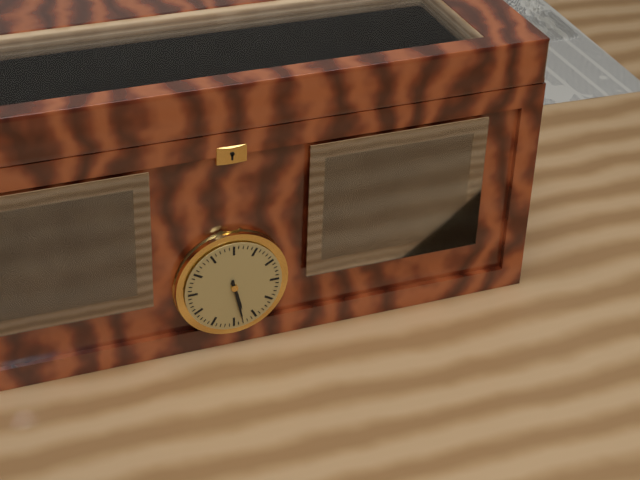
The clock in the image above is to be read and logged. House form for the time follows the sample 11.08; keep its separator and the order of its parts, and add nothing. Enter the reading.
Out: 5.28
